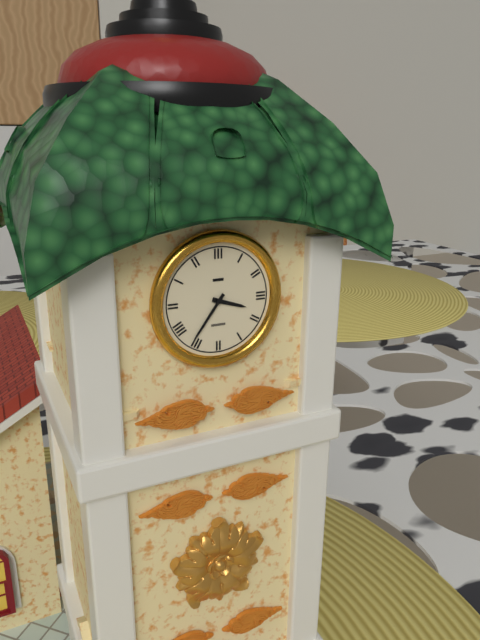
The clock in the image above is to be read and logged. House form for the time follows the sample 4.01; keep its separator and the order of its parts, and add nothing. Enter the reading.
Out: 3.36
